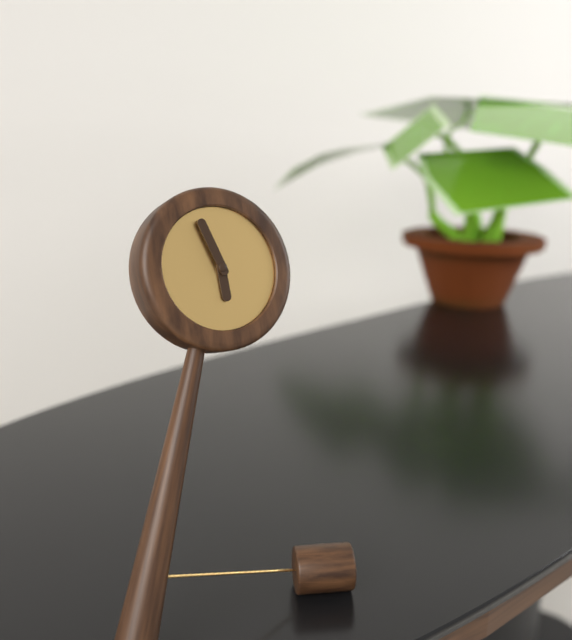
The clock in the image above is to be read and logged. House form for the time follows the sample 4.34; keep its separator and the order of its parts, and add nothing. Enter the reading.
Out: 5.57
